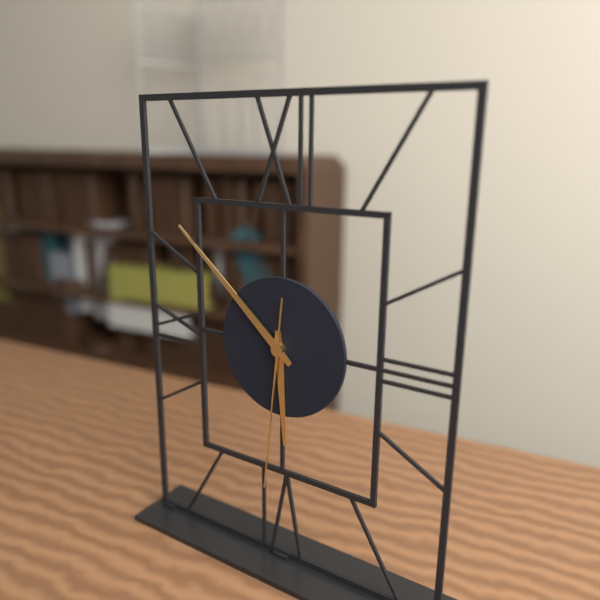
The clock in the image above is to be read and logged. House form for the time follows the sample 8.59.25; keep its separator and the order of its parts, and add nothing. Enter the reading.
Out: 5.52.31
